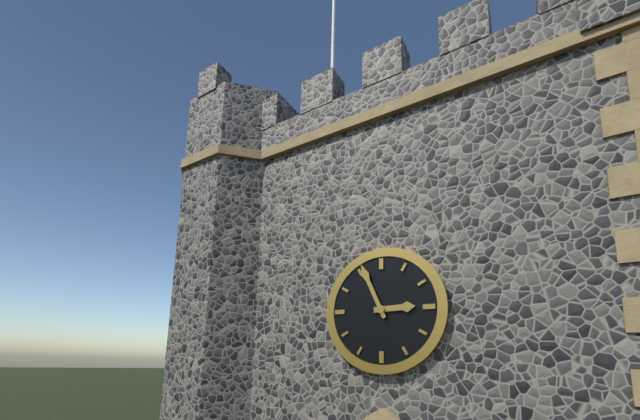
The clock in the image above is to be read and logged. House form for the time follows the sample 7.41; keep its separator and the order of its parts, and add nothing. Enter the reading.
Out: 2.56
